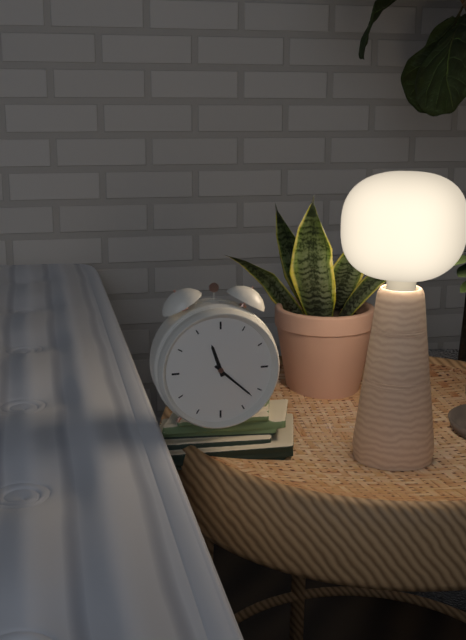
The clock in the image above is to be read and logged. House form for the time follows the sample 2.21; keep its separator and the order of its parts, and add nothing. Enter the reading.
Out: 11.22
